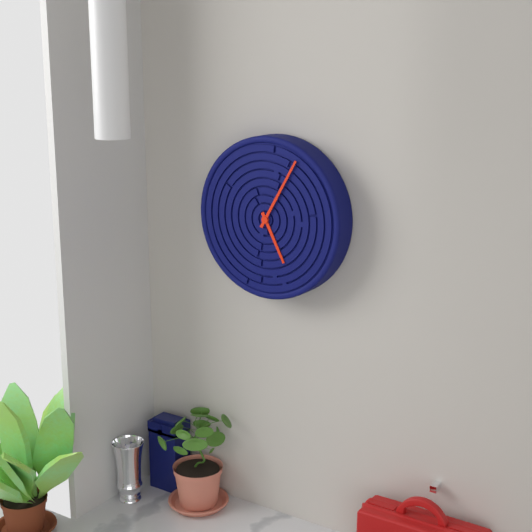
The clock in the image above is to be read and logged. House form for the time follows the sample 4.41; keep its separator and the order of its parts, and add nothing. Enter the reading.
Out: 5.05
